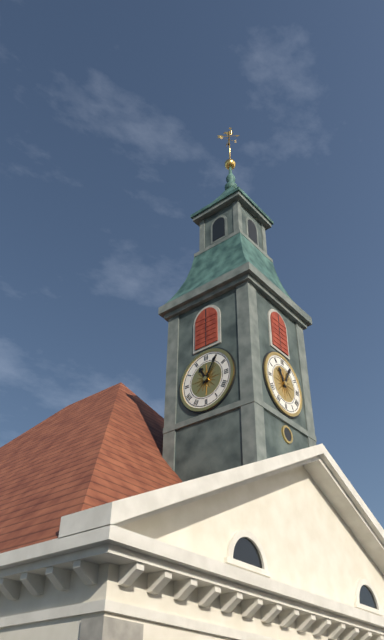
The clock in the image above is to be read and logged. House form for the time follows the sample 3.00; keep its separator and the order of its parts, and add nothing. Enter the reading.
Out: 11.05
